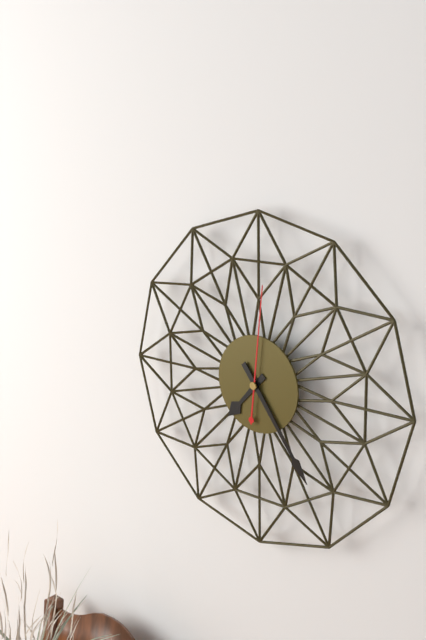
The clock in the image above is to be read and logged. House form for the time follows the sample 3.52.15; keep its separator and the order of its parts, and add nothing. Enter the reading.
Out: 7.24.01
